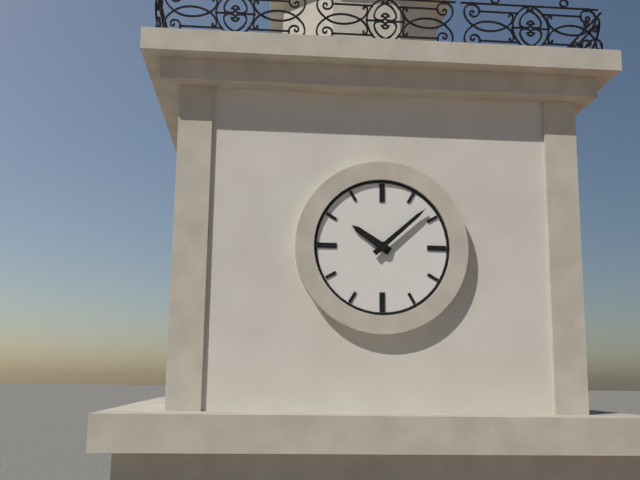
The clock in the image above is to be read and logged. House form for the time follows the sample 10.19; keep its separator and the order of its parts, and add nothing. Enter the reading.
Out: 10.08
